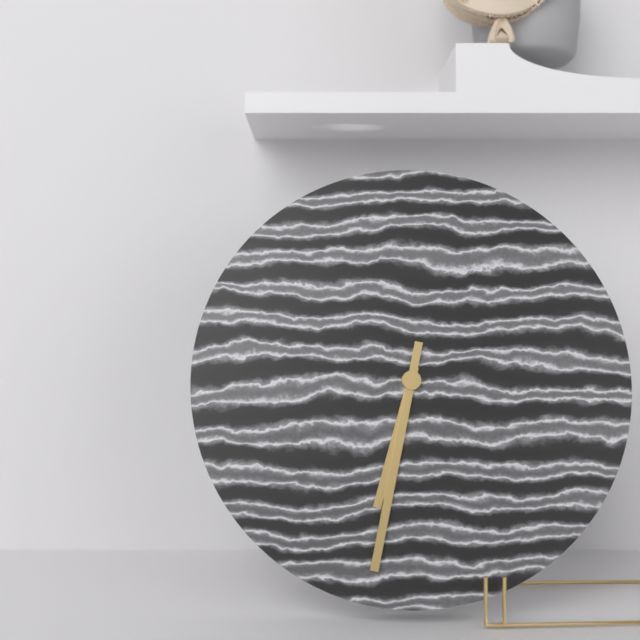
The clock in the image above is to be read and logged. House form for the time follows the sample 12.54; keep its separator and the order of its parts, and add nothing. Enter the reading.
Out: 6.32
